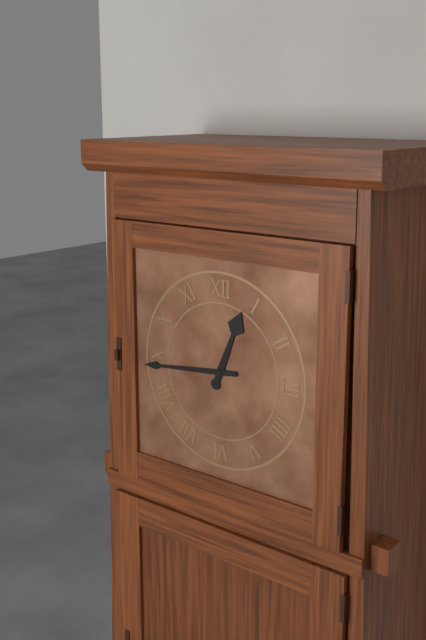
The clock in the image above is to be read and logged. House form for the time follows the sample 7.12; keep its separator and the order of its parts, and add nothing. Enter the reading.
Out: 12.44
